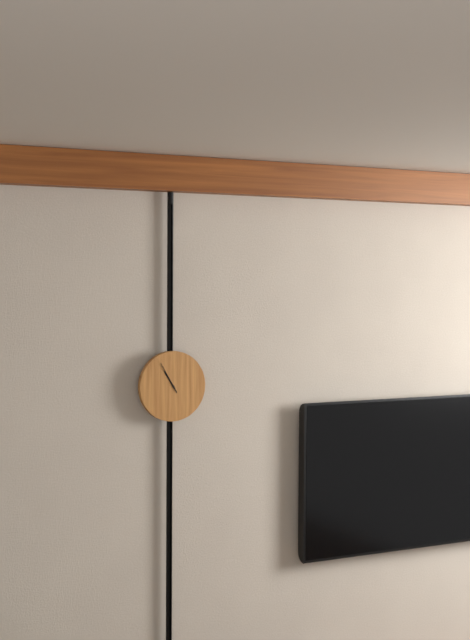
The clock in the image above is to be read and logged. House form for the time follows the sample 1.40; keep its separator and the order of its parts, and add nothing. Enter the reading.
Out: 10.55
